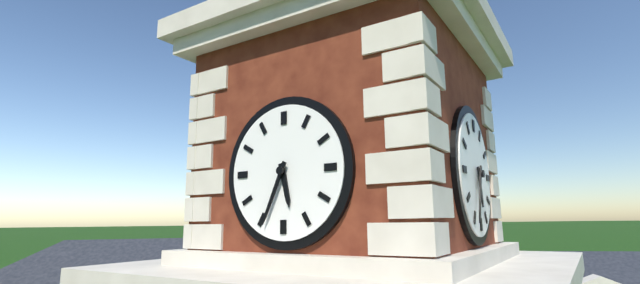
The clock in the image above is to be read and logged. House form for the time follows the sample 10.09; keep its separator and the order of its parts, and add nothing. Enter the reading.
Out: 5.34
